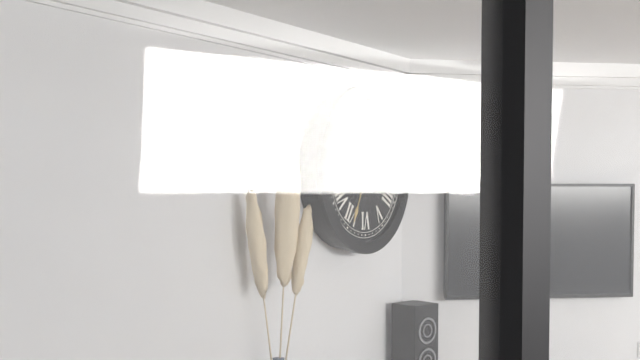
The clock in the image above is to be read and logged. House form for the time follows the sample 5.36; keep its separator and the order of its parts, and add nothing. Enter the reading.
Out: 11.34
